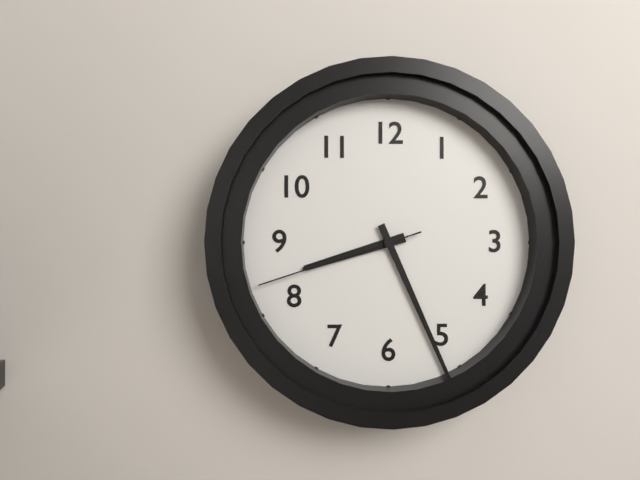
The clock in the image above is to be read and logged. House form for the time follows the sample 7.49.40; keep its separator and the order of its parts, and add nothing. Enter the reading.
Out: 8.26.42
